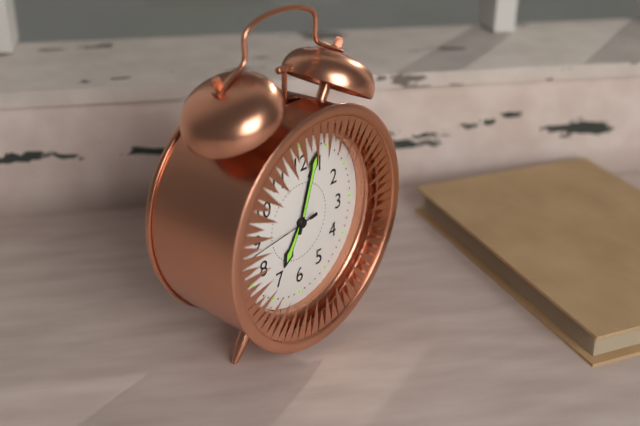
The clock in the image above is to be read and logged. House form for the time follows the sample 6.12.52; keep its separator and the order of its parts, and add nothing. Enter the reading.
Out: 7.03.44
